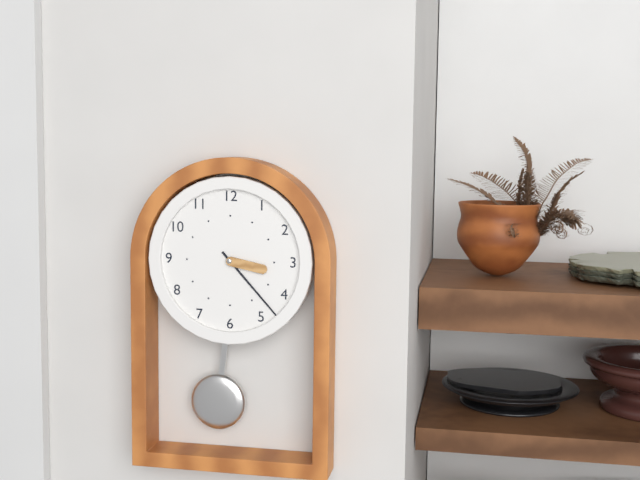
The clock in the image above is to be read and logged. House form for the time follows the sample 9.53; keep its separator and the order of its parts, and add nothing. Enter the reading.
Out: 3.23
